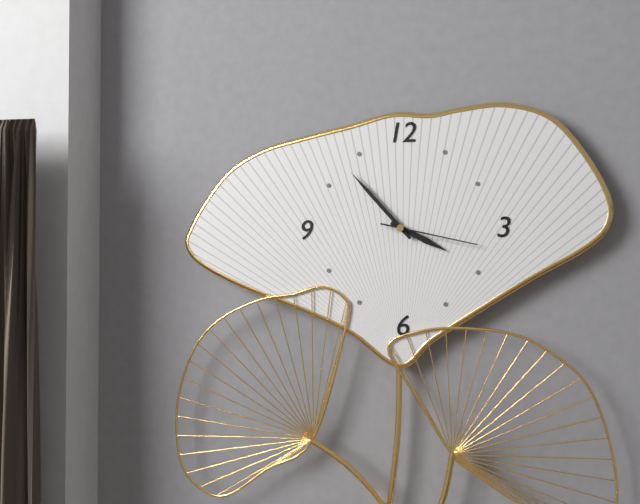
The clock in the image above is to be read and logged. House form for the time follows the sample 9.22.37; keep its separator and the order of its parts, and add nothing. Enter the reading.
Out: 3.53.17
